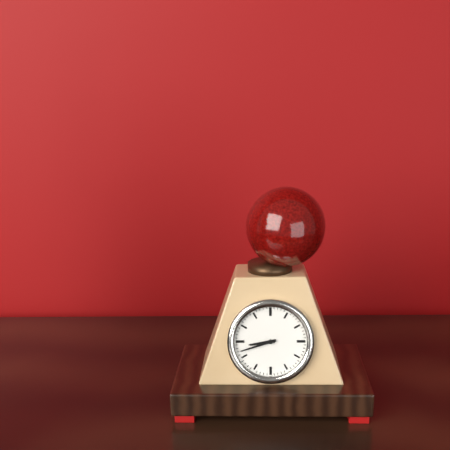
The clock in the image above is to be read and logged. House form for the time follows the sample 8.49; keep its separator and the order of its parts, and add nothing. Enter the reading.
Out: 8.42
